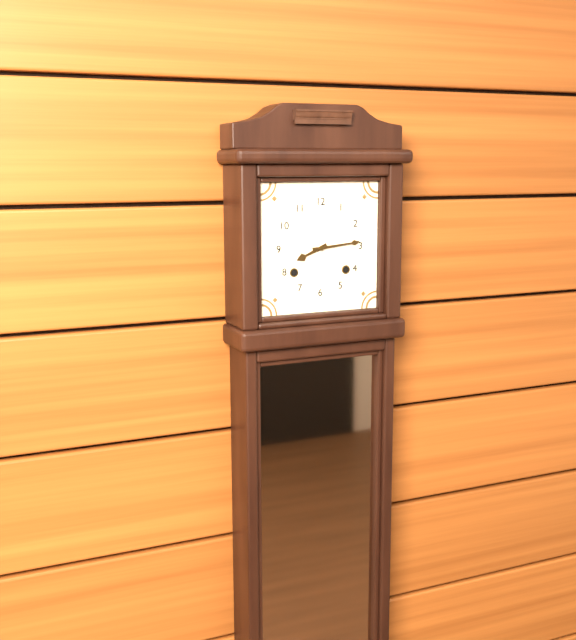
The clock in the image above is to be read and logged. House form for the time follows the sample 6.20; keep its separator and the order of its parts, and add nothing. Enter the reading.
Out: 8.14
